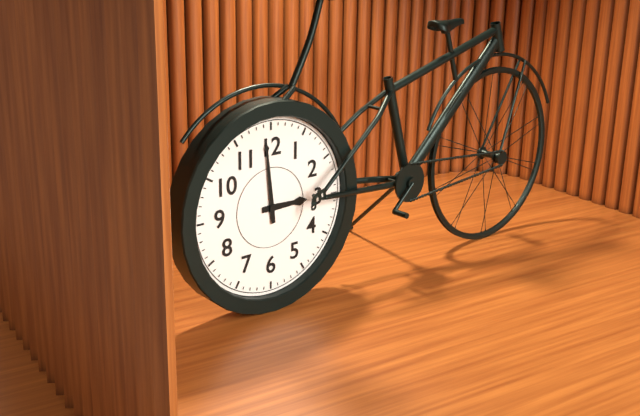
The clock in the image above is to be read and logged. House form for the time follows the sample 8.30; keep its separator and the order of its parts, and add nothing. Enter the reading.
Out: 2.59
